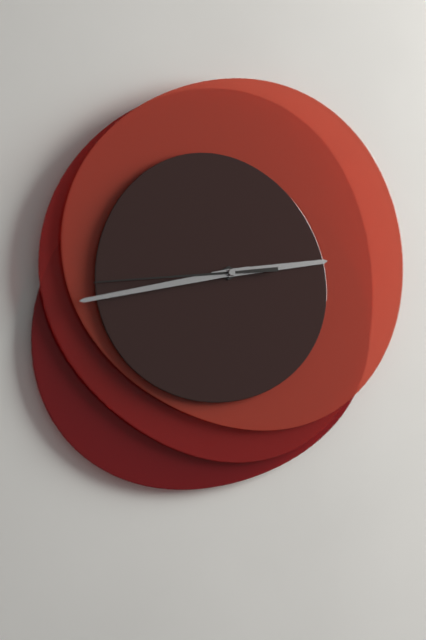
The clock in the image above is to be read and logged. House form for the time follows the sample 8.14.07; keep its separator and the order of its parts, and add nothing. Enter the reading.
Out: 2.43.44
